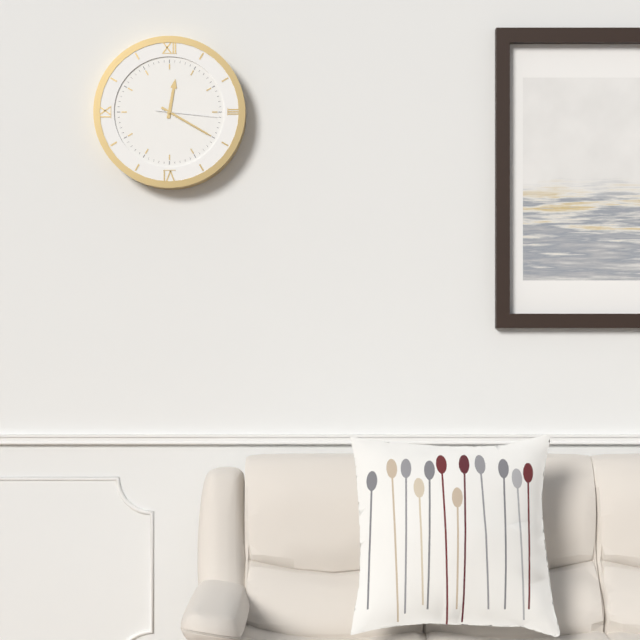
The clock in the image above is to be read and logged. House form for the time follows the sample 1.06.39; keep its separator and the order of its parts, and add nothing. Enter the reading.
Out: 12.20.16
